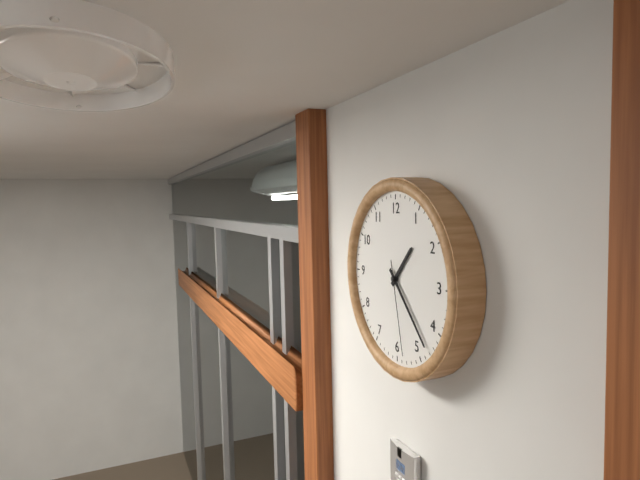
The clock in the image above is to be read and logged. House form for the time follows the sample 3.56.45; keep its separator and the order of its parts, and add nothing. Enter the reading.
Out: 1.23.28
